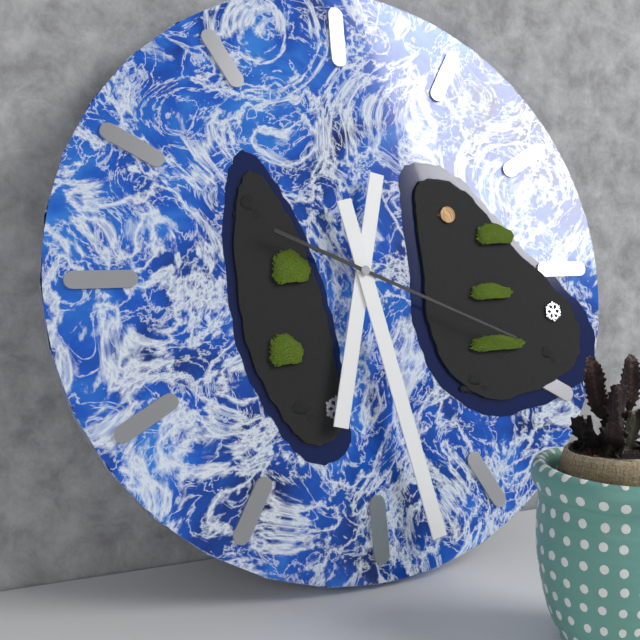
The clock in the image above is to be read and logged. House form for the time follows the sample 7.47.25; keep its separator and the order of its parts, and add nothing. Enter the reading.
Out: 6.28.19
